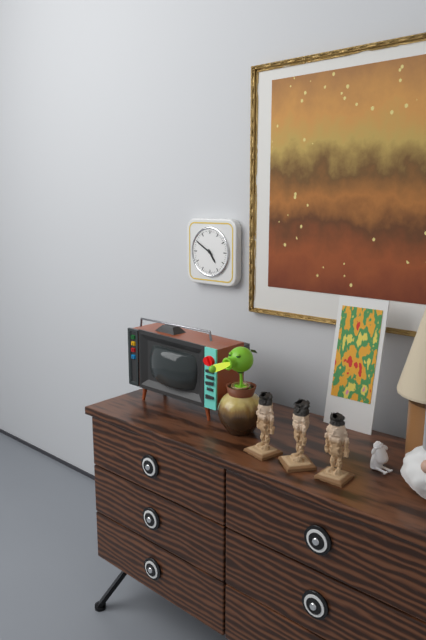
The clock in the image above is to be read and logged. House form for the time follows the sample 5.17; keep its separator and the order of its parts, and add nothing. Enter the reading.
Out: 4.50
